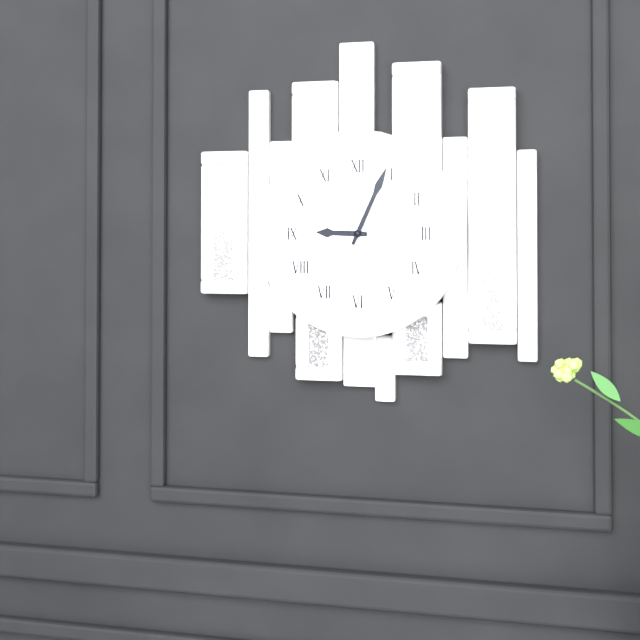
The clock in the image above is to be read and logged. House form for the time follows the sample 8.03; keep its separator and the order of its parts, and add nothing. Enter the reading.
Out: 9.04
